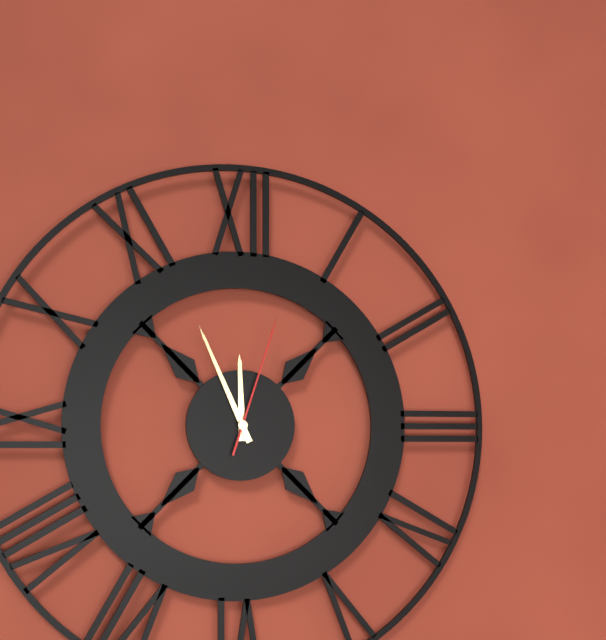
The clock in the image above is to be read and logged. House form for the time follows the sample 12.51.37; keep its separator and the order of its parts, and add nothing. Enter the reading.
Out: 11.56.03
